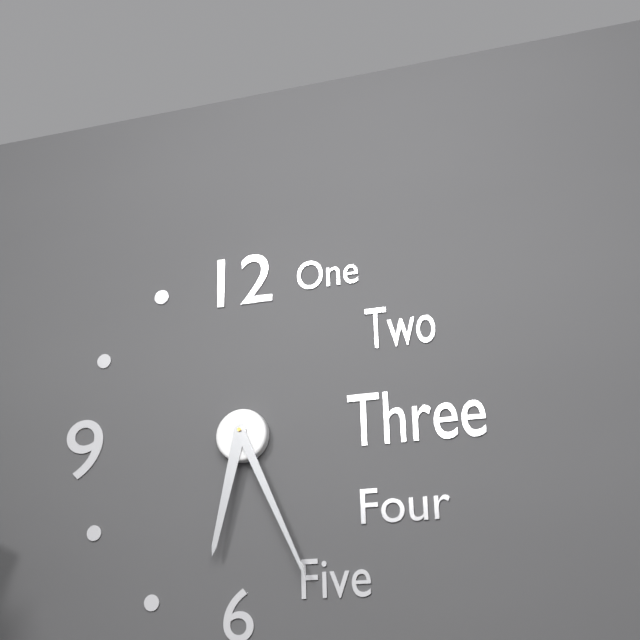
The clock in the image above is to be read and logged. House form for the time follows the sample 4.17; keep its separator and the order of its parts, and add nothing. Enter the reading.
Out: 6.26
